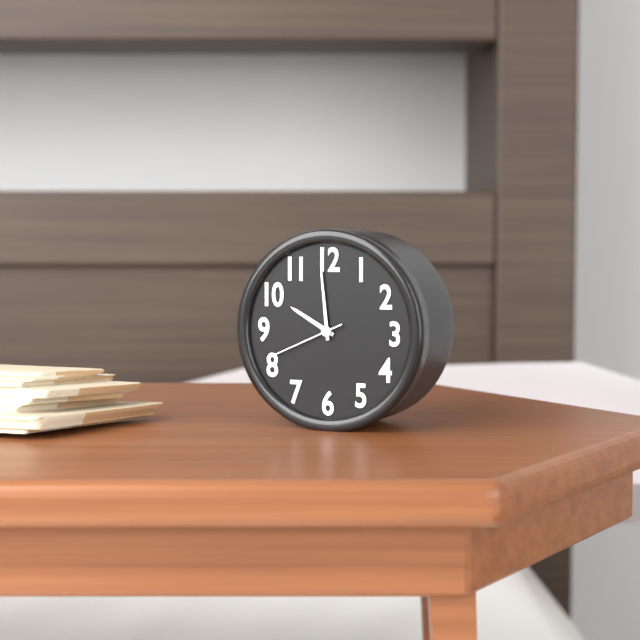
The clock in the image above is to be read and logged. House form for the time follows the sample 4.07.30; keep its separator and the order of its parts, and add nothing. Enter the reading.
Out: 9.59.41
